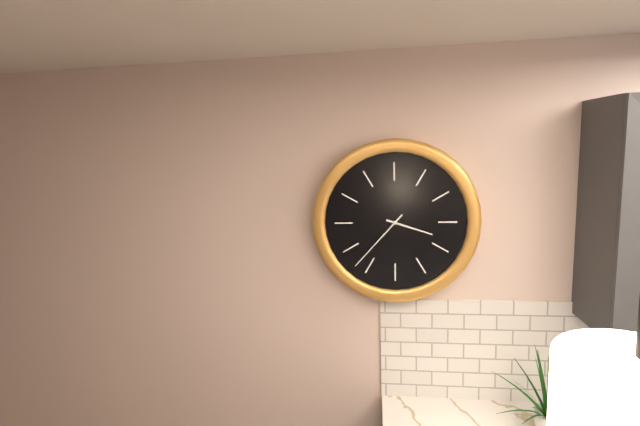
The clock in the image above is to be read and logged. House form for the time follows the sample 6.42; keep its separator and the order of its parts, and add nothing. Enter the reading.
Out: 3.37
